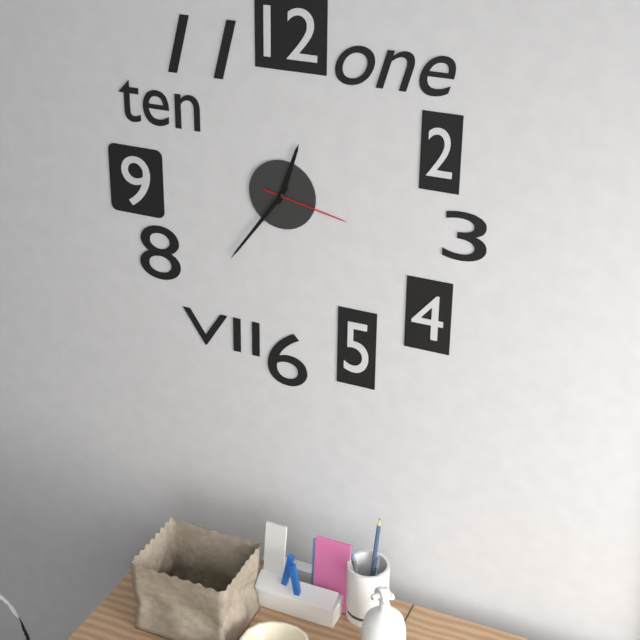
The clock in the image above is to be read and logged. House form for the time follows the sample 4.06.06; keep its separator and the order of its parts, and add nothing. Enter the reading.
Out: 12.36.17
